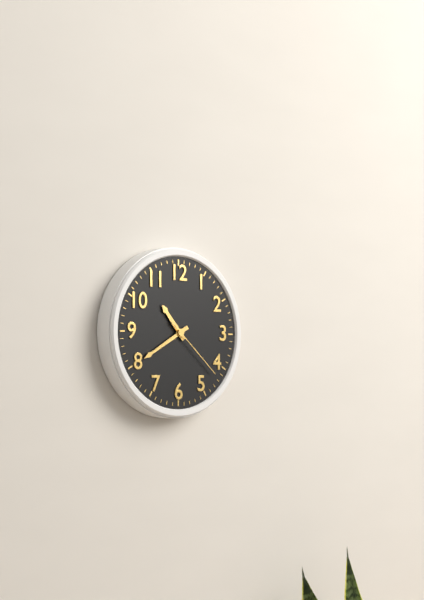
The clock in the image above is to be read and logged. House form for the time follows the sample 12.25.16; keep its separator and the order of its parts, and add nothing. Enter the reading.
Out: 10.40.22
